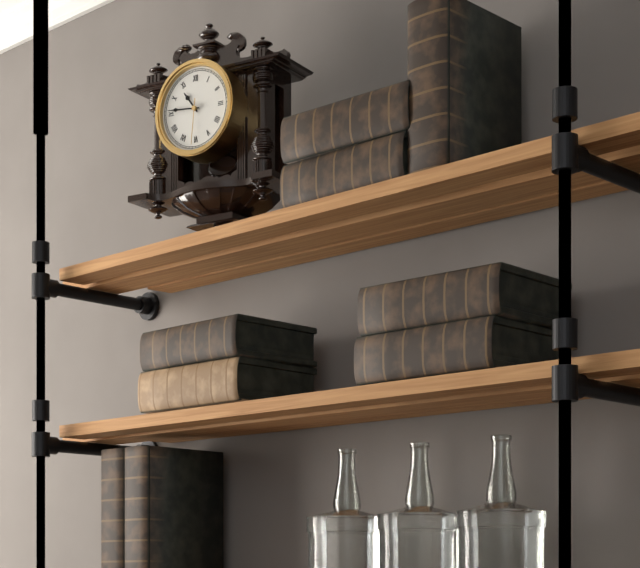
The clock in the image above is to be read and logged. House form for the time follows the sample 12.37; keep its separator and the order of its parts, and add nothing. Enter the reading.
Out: 10.46
